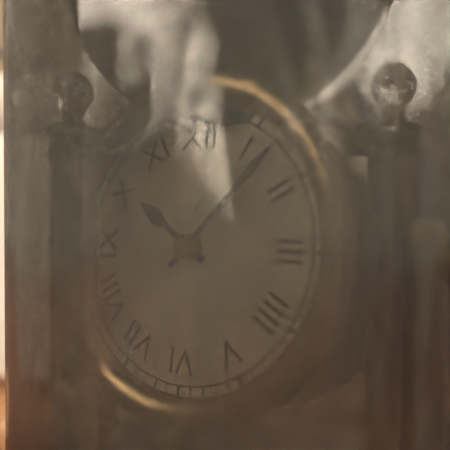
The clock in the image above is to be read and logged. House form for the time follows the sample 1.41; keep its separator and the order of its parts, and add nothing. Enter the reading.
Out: 10.07
